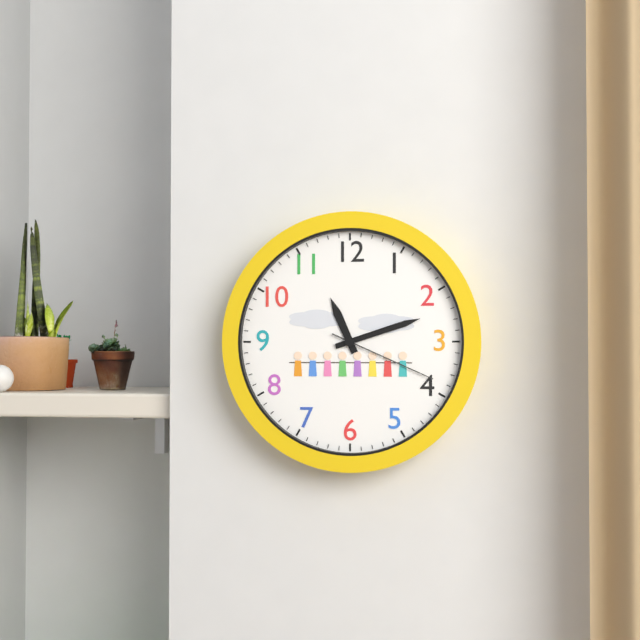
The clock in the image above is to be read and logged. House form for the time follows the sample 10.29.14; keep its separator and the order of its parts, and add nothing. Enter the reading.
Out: 11.12.19
